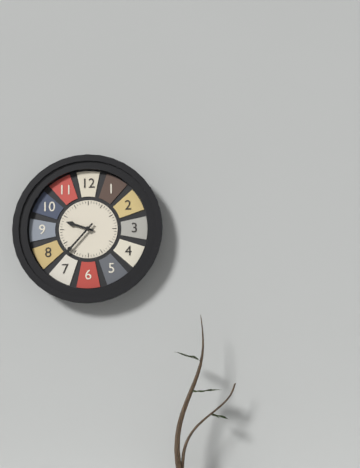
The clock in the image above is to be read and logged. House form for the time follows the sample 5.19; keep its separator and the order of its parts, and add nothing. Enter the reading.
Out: 9.37
